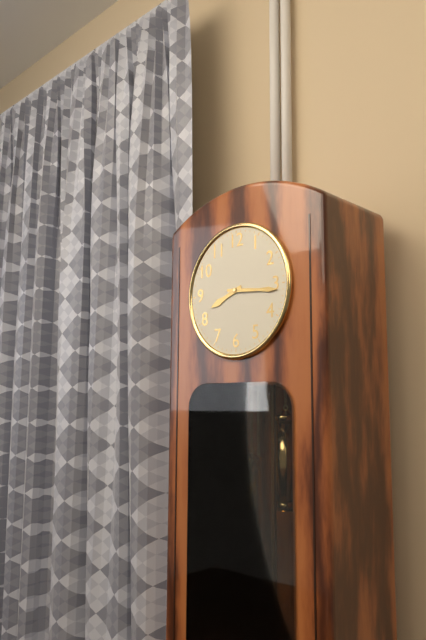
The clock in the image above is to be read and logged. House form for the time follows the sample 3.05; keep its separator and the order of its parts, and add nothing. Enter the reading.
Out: 8.16
